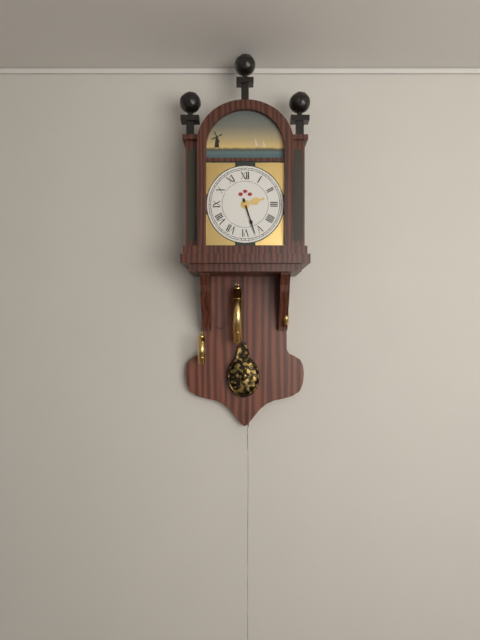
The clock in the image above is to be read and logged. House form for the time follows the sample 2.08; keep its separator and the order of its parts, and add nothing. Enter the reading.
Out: 2.27
